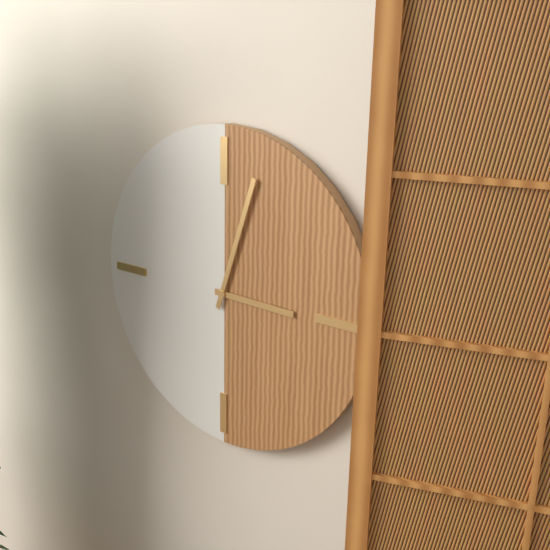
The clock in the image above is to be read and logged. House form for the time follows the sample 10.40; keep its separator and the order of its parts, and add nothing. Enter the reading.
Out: 3.03
